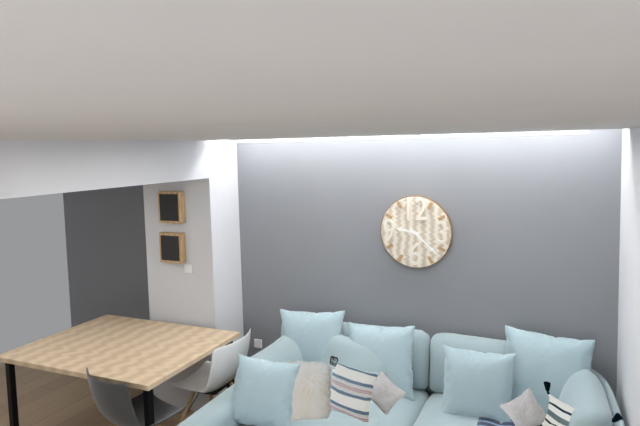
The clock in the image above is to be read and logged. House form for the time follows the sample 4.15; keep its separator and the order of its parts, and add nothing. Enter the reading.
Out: 9.22
